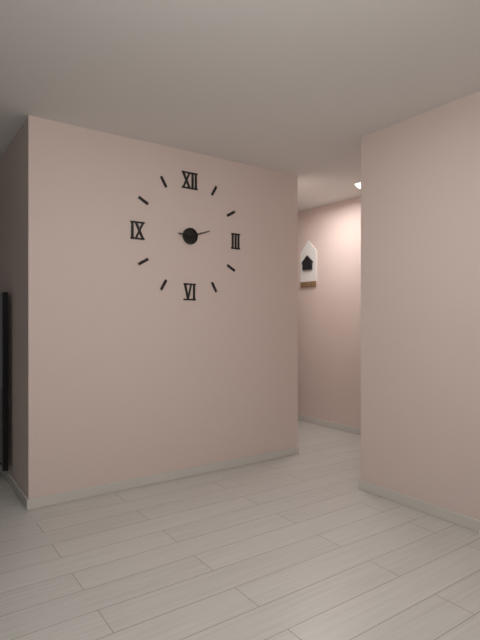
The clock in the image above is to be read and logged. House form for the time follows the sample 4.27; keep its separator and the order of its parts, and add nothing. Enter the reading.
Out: 9.12
